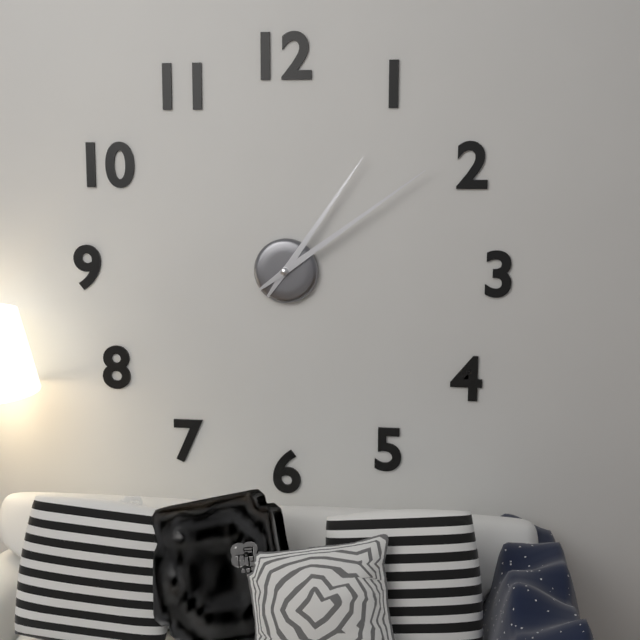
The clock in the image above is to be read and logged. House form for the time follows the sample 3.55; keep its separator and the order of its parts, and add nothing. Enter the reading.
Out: 1.09
